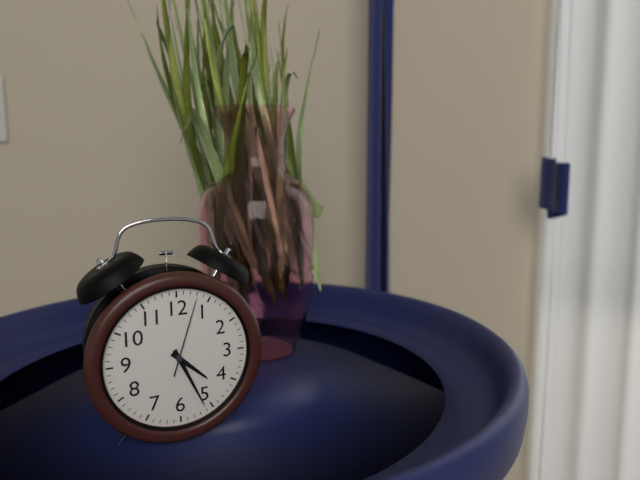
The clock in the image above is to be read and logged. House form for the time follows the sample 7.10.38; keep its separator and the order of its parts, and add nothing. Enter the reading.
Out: 4.26.03
